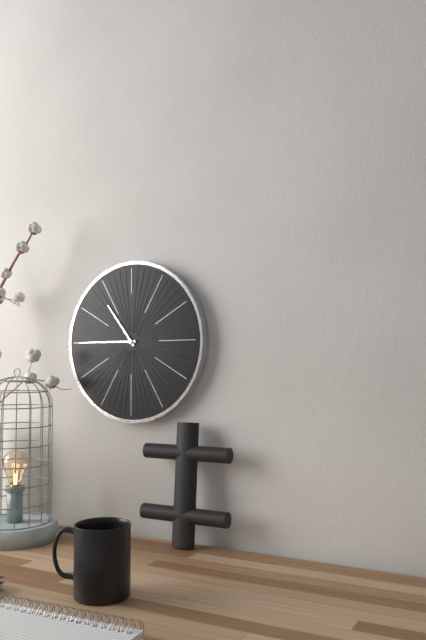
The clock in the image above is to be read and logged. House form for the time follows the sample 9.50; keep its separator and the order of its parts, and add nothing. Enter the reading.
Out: 10.45
